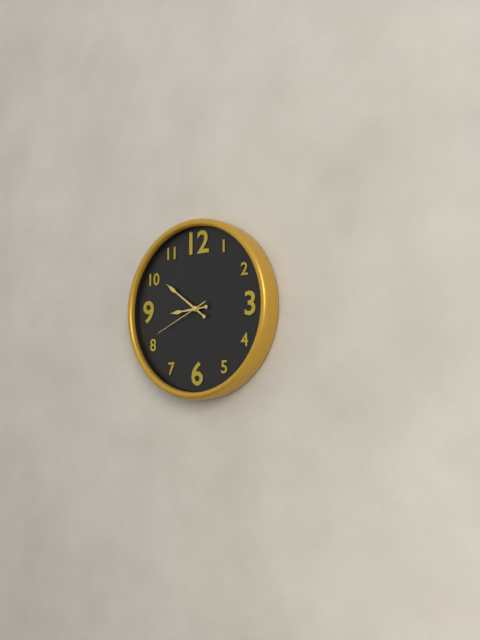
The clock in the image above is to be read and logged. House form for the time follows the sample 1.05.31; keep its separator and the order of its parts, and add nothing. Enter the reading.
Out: 8.51.41
